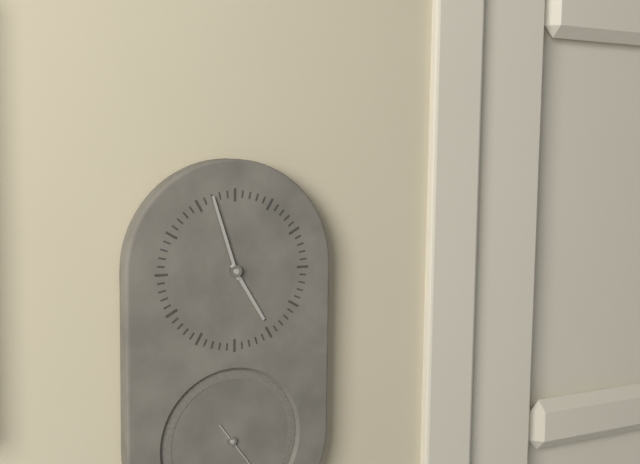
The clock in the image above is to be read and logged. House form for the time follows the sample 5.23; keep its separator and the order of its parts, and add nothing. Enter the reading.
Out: 4.57
